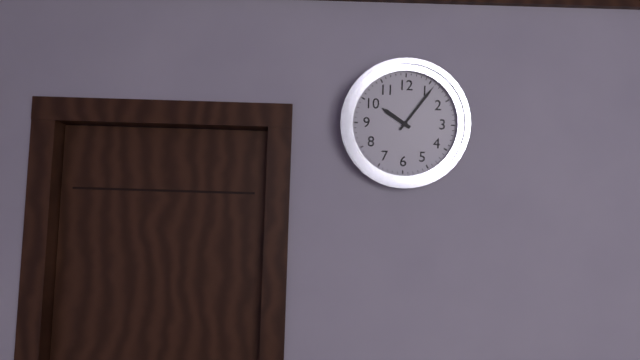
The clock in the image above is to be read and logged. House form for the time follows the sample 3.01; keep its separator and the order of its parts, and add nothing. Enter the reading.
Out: 10.06
